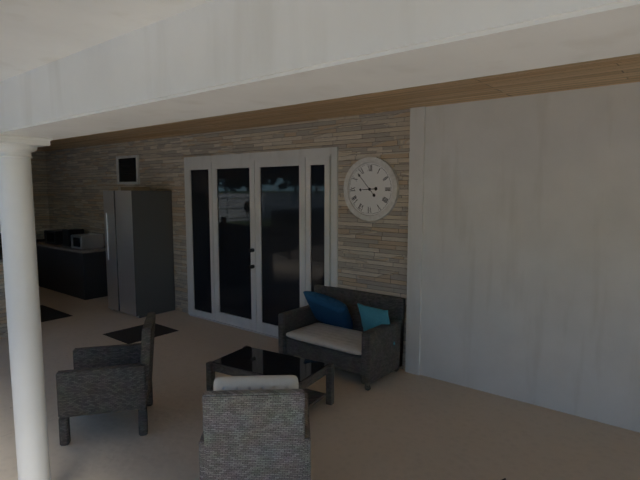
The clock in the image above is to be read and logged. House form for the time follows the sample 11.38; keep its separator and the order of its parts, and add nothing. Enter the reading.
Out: 8.53
